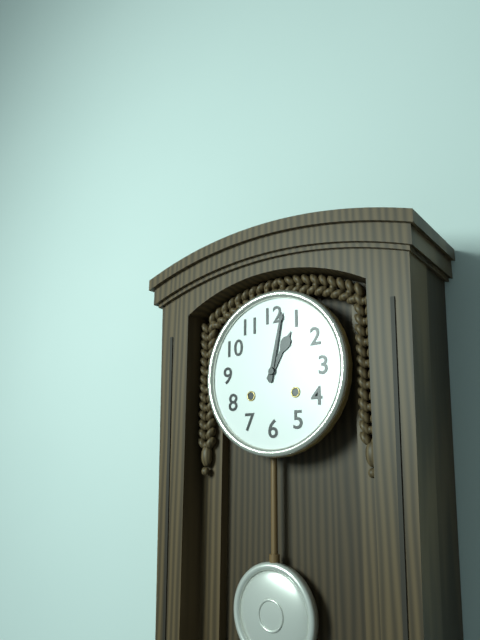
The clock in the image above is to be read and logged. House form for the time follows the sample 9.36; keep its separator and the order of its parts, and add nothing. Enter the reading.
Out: 1.02
